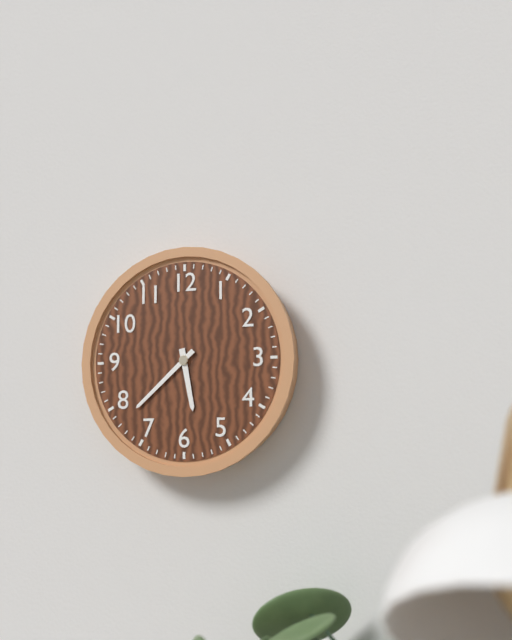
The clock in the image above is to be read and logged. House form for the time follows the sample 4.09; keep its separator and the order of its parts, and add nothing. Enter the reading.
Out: 5.38
